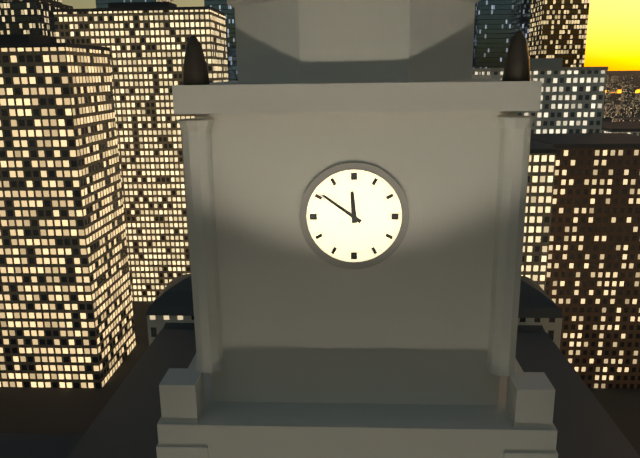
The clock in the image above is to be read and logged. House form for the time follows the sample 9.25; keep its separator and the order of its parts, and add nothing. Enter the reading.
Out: 11.51
